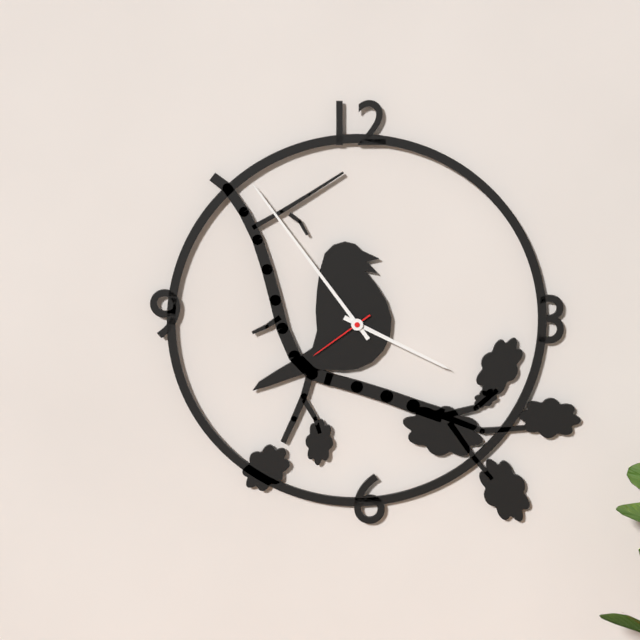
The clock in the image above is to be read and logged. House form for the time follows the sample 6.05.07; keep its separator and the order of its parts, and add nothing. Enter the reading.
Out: 3.54.39
